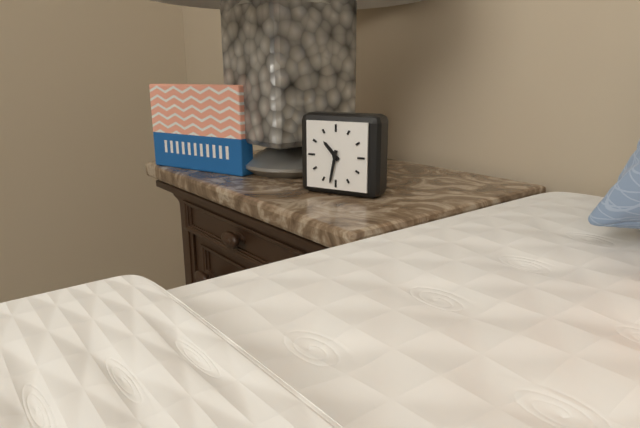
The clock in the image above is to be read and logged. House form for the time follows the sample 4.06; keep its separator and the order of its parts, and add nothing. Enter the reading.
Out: 10.32
